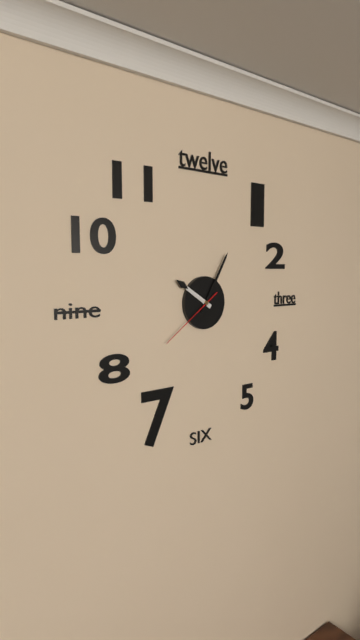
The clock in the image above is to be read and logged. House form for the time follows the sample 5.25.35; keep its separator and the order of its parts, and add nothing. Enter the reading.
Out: 10.05.39
